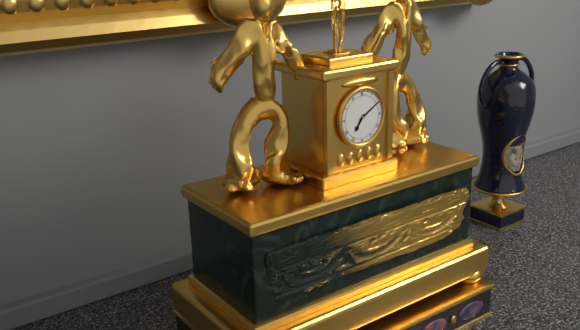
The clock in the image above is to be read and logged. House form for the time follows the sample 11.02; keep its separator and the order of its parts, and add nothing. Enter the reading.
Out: 7.10
